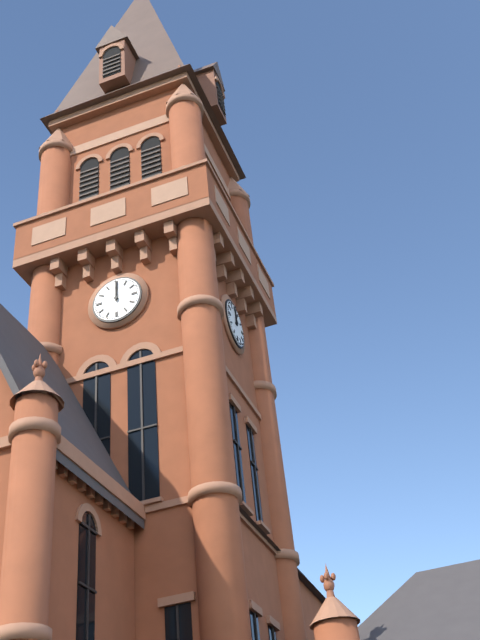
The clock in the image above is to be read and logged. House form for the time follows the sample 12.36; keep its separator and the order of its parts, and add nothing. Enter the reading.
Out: 12.00
